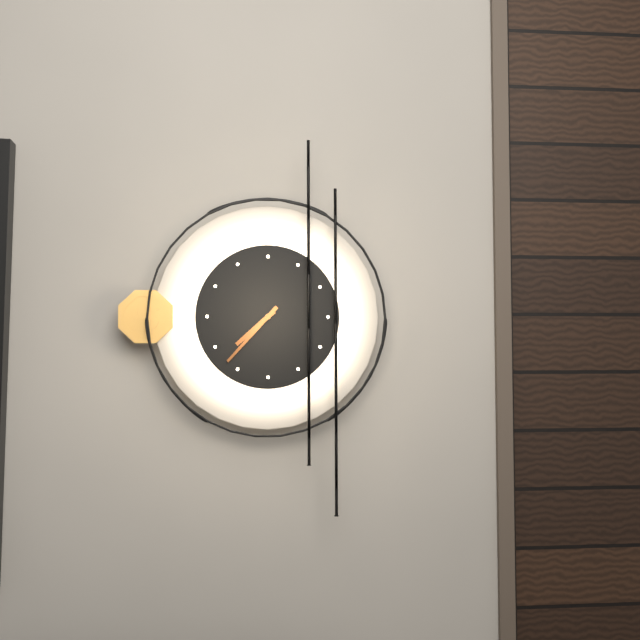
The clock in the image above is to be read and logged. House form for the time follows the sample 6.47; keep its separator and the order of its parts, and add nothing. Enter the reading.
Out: 7.37
